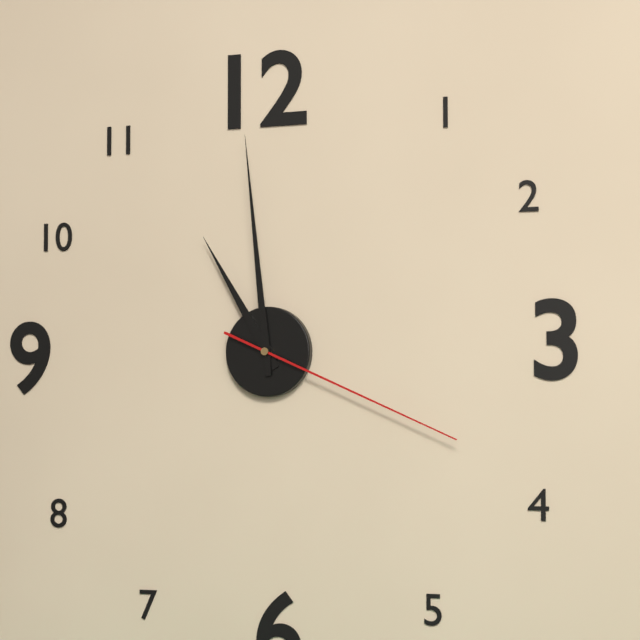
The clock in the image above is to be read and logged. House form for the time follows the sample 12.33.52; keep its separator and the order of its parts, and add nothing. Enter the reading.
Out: 10.59.19
